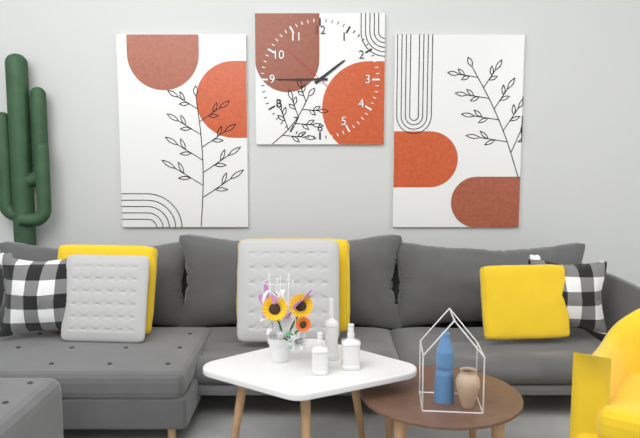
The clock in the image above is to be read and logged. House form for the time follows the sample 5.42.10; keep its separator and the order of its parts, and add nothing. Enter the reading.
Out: 1.45.52
